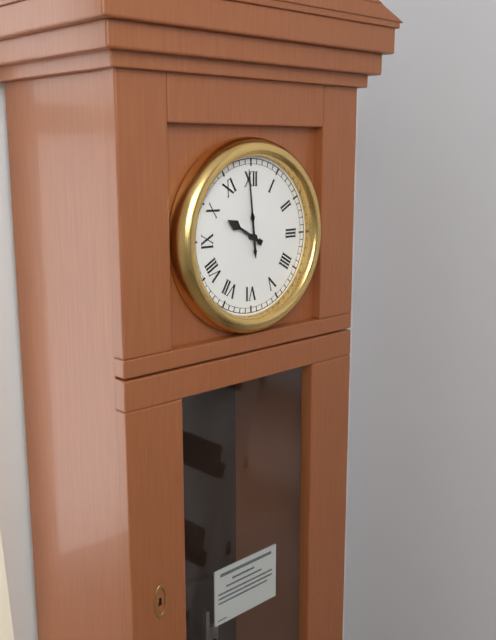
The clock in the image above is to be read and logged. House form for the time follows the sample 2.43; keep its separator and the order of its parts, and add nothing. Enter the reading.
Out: 9.59
